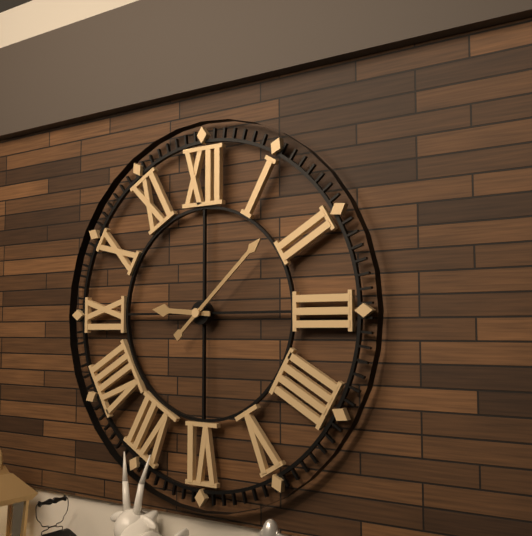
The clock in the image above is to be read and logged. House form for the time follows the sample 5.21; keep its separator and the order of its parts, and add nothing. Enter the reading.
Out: 9.08
